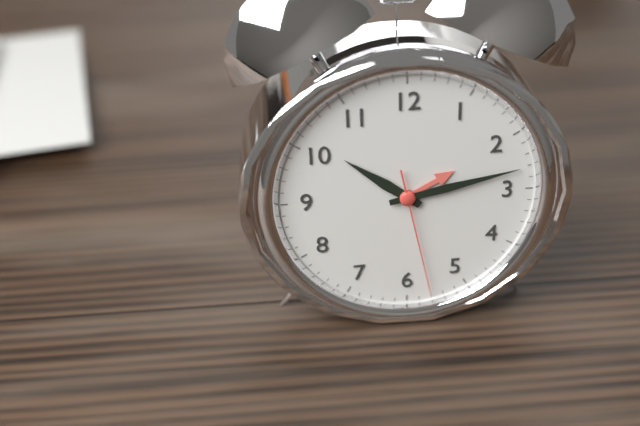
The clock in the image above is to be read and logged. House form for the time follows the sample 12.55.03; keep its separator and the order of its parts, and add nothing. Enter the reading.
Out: 10.13.28
